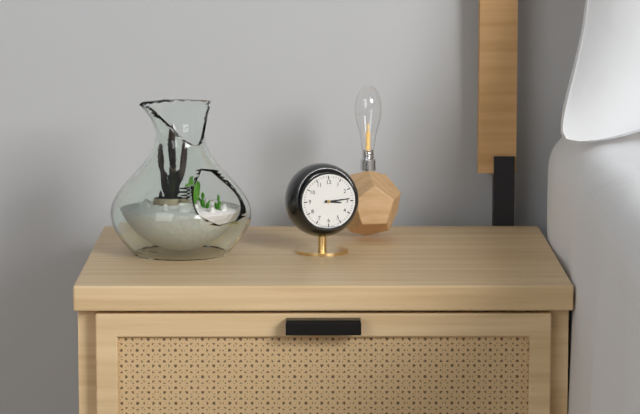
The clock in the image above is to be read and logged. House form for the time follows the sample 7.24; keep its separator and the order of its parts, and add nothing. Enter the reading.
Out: 3.14
